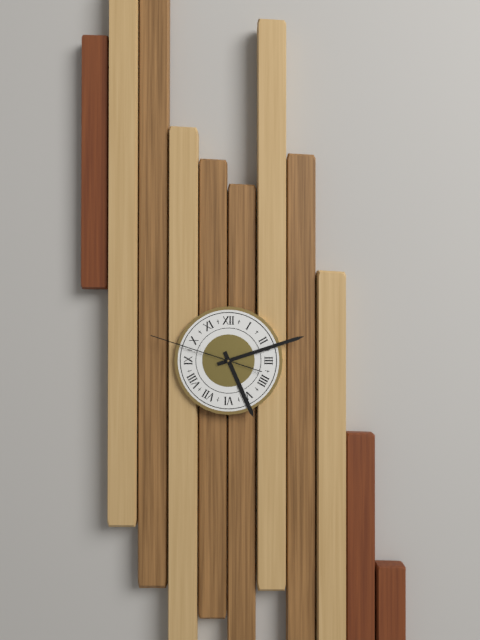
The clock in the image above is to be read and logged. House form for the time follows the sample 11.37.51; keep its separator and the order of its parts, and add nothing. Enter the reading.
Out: 5.12.48
